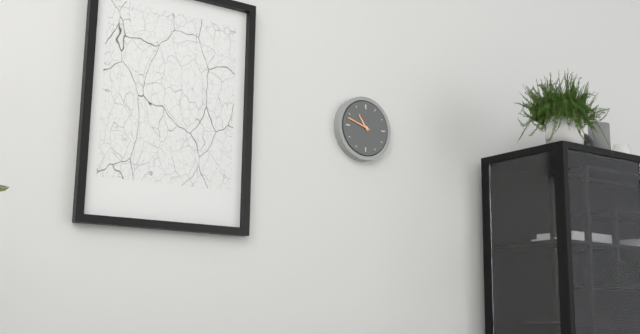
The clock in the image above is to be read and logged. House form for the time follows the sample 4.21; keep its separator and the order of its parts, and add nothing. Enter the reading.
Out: 10.48
